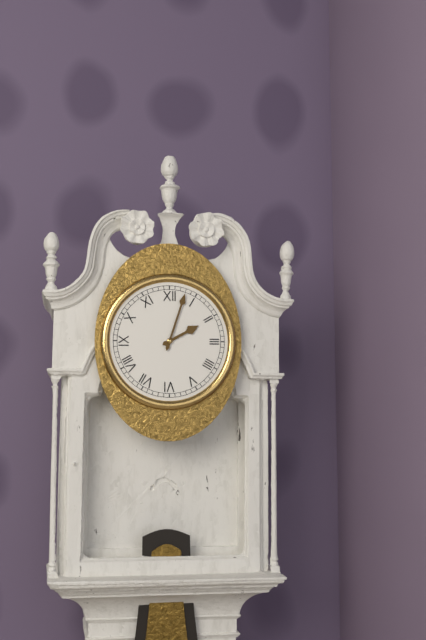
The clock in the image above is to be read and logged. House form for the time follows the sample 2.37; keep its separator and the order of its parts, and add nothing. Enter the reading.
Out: 2.03
